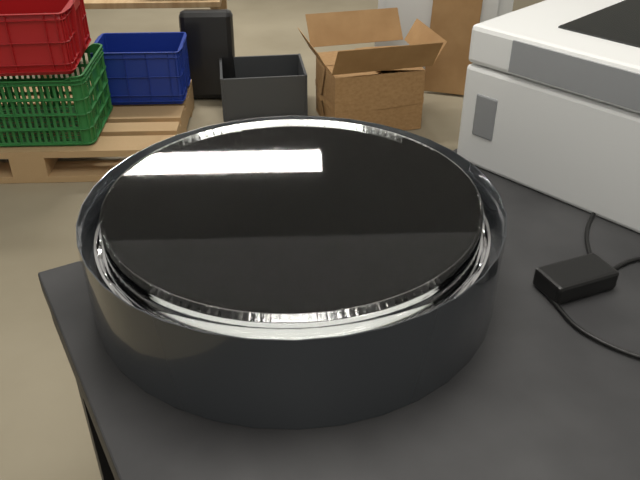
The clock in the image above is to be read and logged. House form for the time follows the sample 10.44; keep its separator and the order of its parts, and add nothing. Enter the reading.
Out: 7.40
